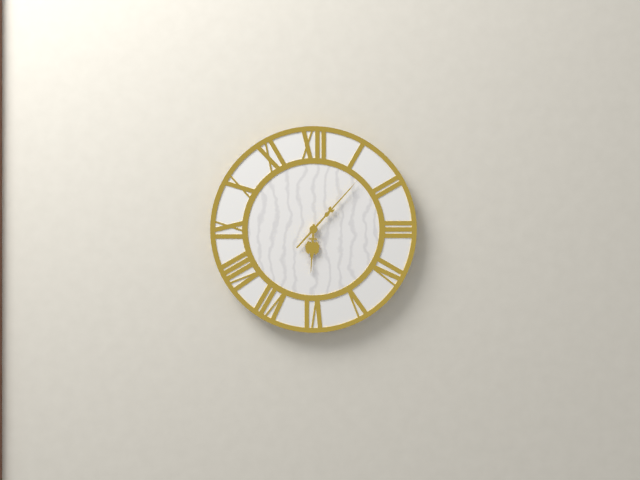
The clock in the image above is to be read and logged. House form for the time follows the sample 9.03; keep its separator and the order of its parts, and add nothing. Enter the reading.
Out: 6.07
